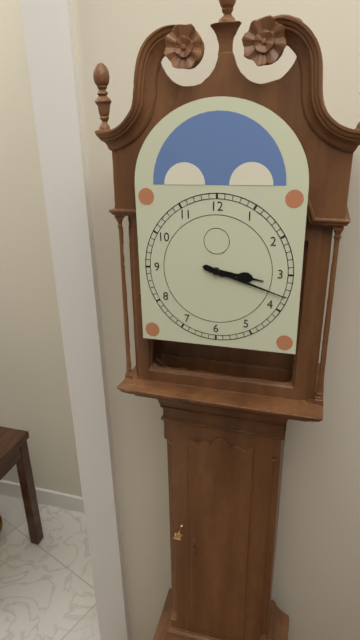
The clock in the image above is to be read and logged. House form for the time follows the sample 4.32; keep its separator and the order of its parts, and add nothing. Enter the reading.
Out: 3.18
